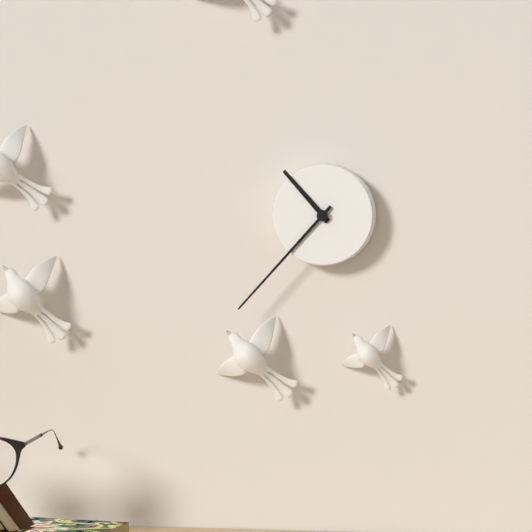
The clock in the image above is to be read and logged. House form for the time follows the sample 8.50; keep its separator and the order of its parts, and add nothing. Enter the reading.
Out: 10.37
